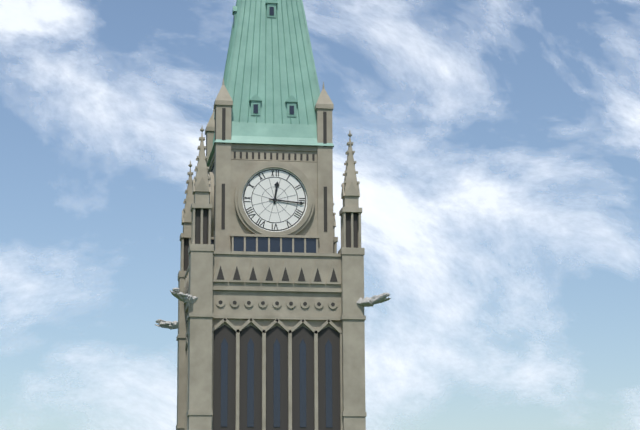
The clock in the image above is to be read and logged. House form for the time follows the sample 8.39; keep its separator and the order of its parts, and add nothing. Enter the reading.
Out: 12.16
